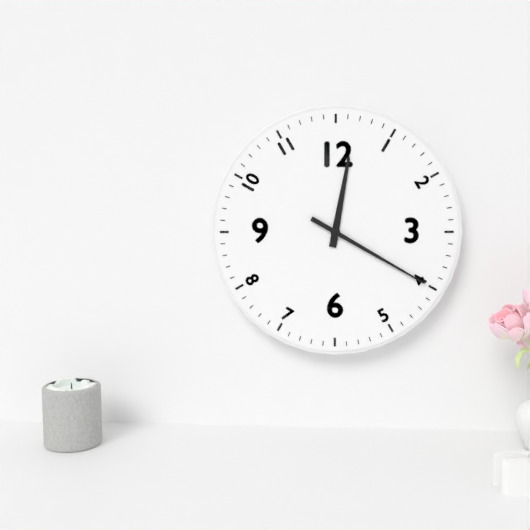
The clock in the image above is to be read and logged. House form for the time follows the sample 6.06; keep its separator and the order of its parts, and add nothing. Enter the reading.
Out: 12.20
